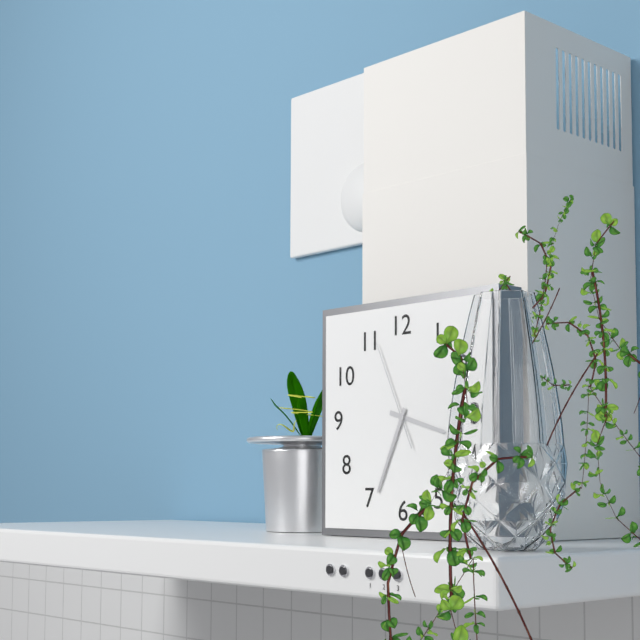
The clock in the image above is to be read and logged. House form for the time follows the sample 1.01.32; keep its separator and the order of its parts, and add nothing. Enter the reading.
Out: 3.34.56
